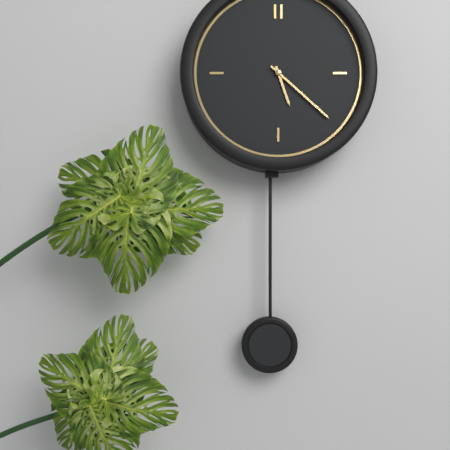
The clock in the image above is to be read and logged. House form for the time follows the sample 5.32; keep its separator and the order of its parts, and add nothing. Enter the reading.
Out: 5.22
